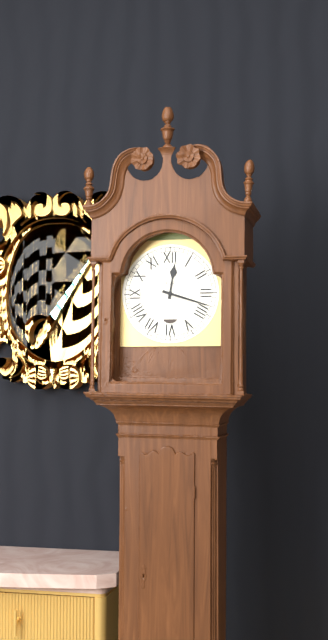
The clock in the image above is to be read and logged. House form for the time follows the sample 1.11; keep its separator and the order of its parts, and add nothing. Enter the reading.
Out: 12.18
